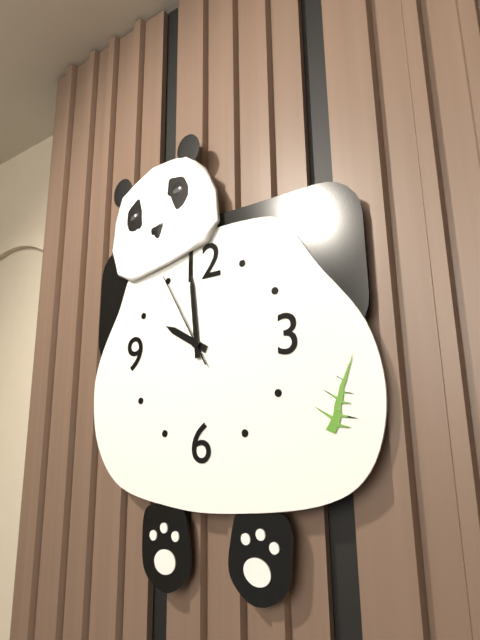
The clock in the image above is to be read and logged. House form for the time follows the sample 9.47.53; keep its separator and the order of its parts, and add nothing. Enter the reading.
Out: 9.59.55
